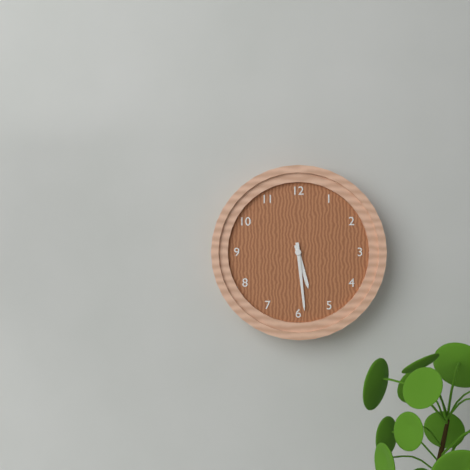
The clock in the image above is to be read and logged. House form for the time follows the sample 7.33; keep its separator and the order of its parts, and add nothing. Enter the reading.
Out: 5.29
